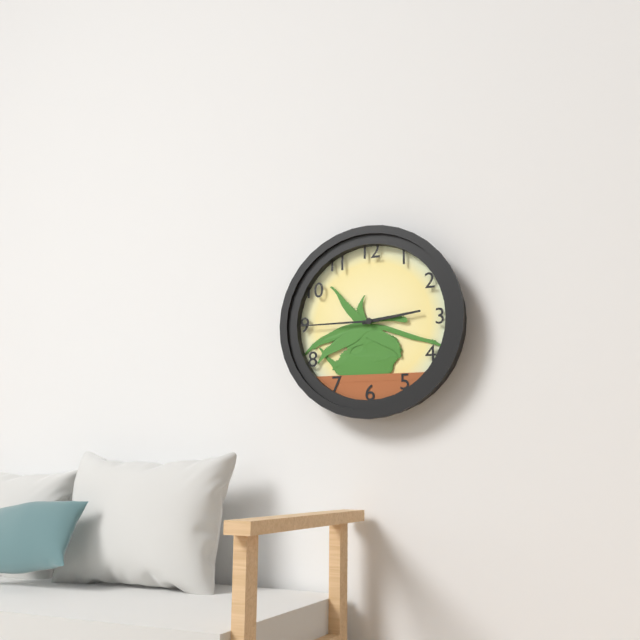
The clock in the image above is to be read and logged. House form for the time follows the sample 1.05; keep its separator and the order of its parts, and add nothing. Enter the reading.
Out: 2.45
